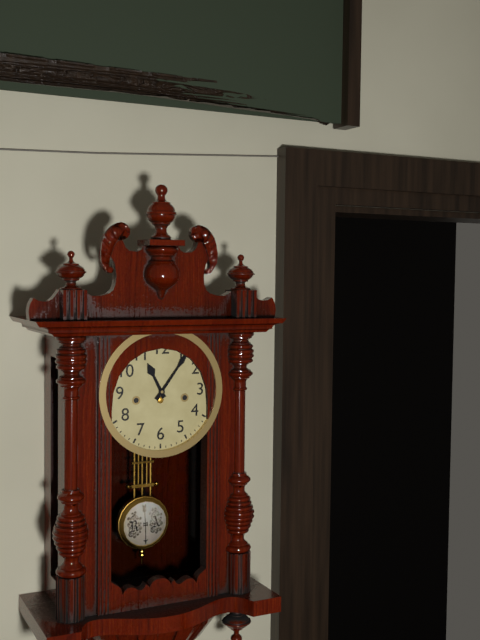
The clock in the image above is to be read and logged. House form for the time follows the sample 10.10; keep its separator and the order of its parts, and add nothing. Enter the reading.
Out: 11.06
